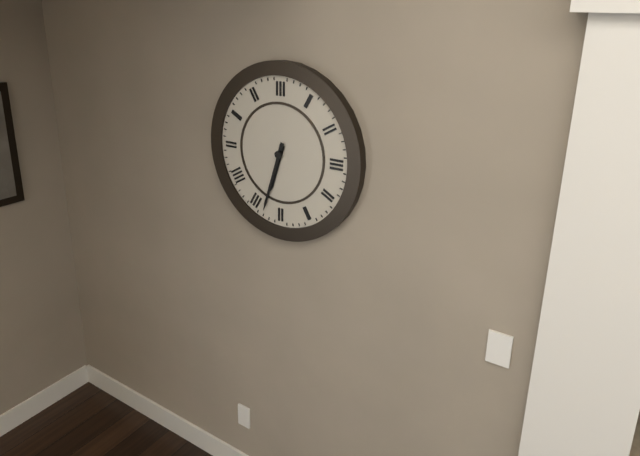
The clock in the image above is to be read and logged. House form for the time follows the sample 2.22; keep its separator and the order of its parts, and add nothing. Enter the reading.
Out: 6.33
